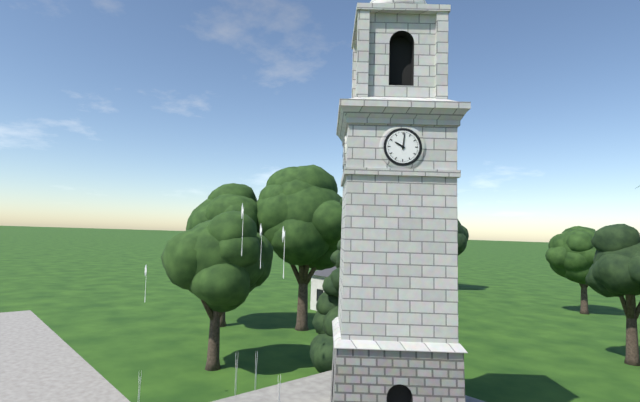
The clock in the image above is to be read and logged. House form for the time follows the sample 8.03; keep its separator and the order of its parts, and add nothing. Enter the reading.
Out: 10.01
